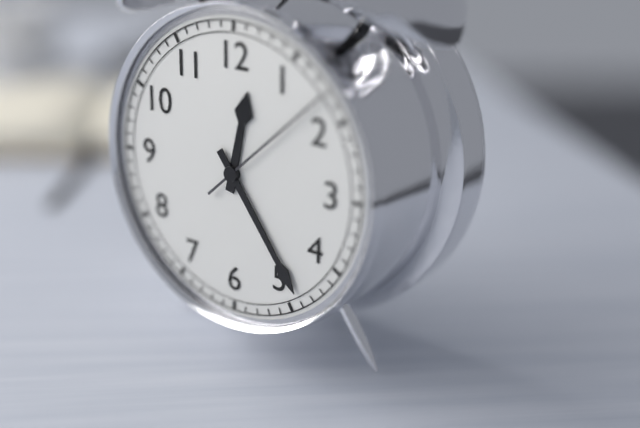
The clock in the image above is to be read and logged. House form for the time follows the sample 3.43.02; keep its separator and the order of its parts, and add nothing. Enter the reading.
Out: 12.24.08
